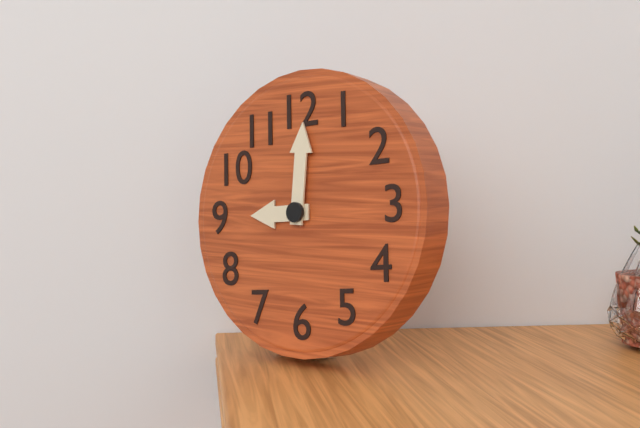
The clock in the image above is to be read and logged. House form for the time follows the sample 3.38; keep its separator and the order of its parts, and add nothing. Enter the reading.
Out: 9.01
